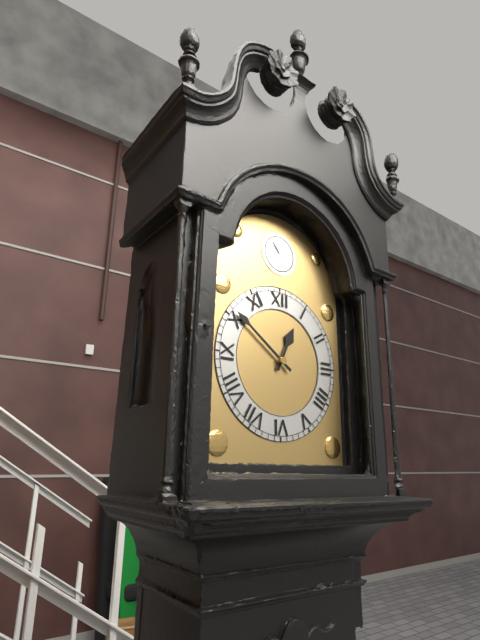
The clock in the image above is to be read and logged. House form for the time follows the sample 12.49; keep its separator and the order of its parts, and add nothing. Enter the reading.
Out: 12.51
